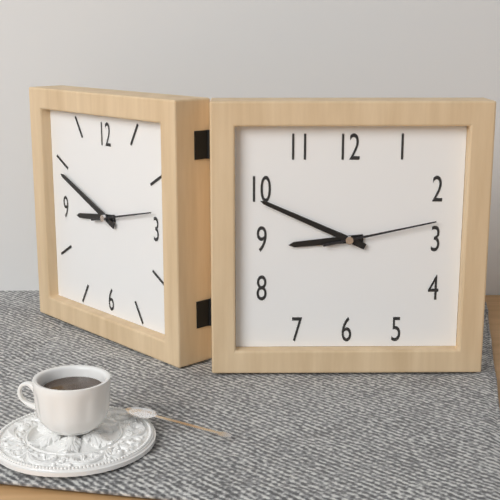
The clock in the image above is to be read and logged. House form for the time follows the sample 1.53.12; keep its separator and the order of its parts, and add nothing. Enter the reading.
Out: 8.49.13
